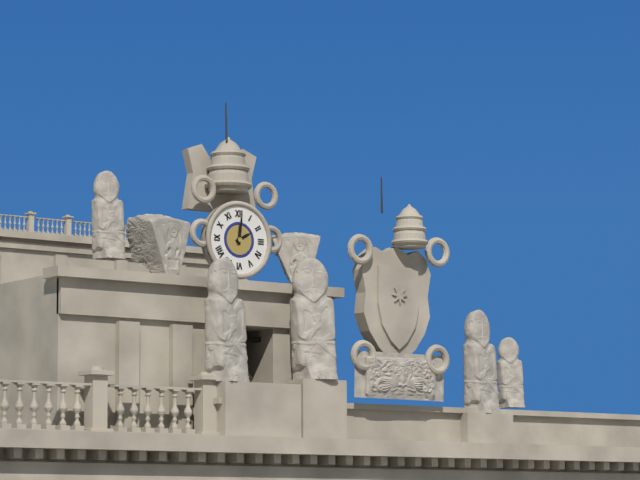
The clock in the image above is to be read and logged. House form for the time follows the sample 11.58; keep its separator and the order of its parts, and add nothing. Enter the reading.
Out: 2.01
